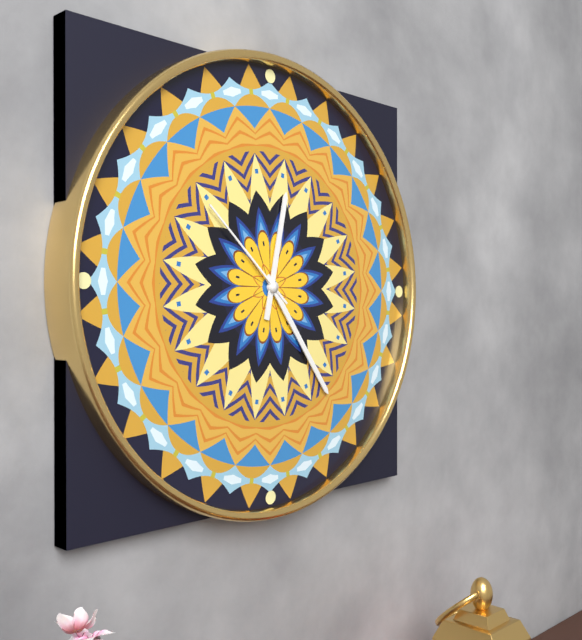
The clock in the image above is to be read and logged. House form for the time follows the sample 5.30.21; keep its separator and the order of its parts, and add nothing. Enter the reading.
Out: 12.24.52
